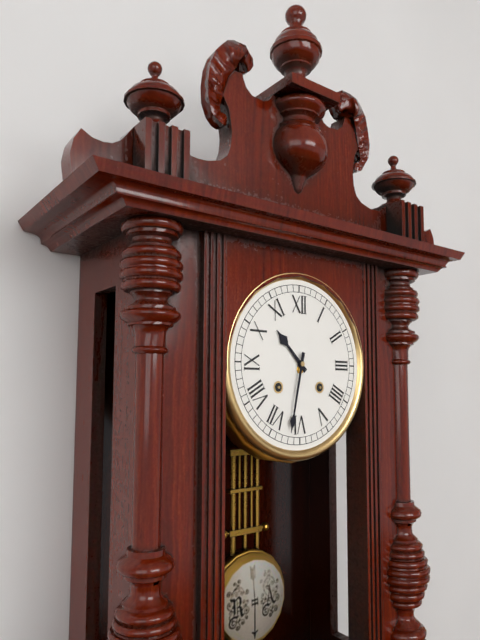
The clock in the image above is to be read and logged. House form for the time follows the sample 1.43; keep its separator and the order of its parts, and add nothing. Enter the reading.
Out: 10.32
